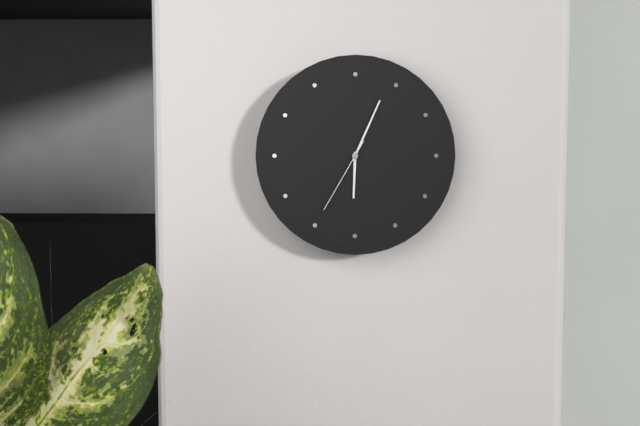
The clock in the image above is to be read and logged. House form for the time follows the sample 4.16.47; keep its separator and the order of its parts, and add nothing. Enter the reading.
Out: 6.04.35
